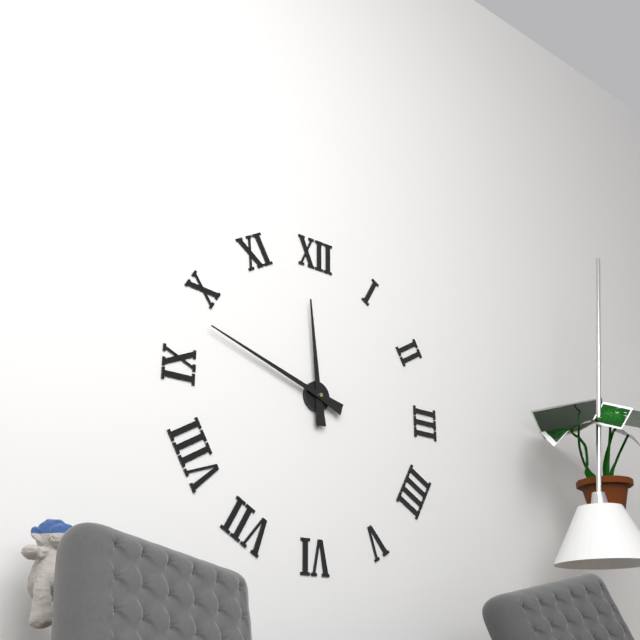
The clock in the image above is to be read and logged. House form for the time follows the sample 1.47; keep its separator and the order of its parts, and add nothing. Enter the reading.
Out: 11.48
